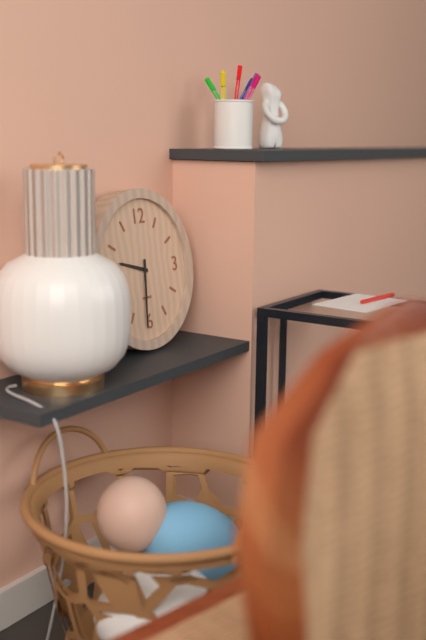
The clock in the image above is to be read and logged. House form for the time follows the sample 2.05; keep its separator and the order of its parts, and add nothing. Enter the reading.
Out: 9.31
